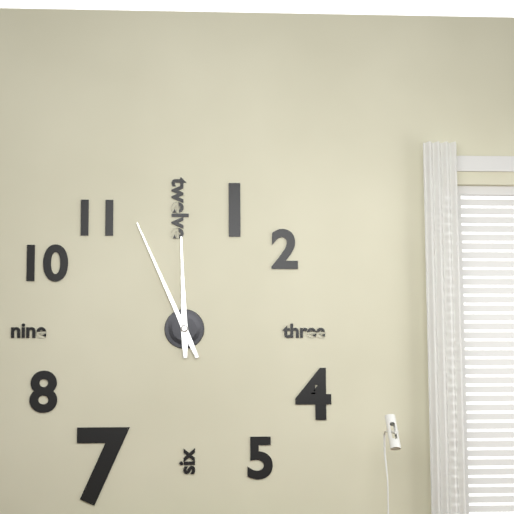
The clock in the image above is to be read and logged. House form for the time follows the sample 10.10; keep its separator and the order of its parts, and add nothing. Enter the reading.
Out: 11.56
